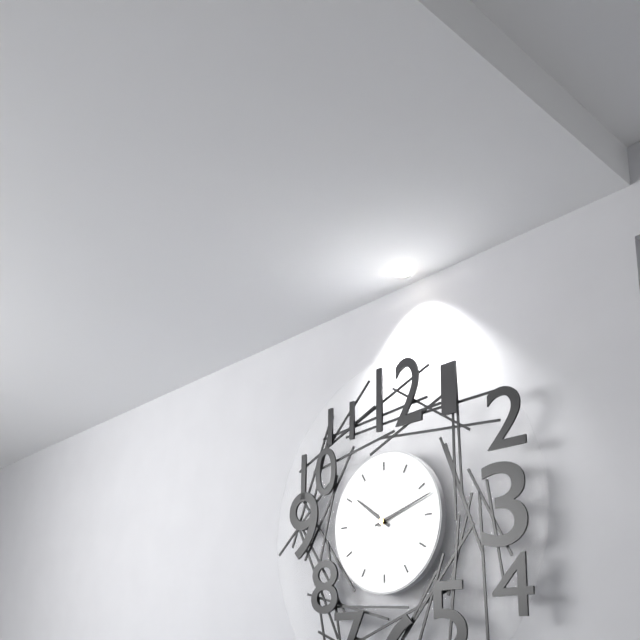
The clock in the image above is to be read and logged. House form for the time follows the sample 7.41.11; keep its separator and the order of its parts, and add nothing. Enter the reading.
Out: 10.12.28
